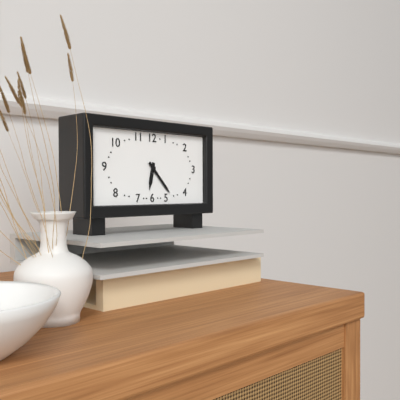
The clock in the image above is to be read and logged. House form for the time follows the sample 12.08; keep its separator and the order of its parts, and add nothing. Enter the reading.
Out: 6.23
